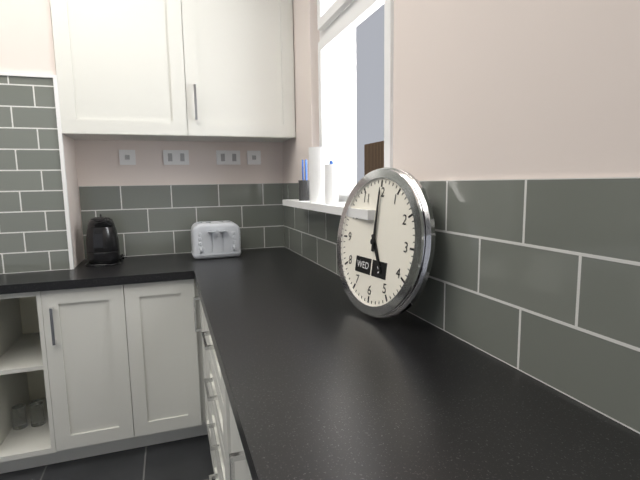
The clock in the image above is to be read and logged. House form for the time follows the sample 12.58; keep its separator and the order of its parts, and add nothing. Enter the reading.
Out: 5.00
